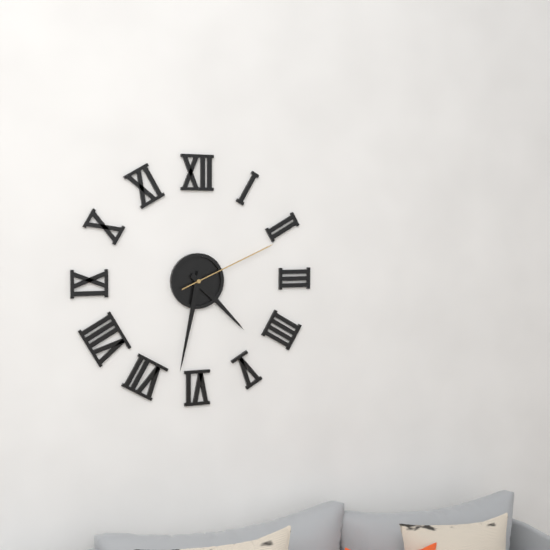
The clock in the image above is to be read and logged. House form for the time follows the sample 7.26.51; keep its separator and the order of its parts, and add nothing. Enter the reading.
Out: 4.32.11
